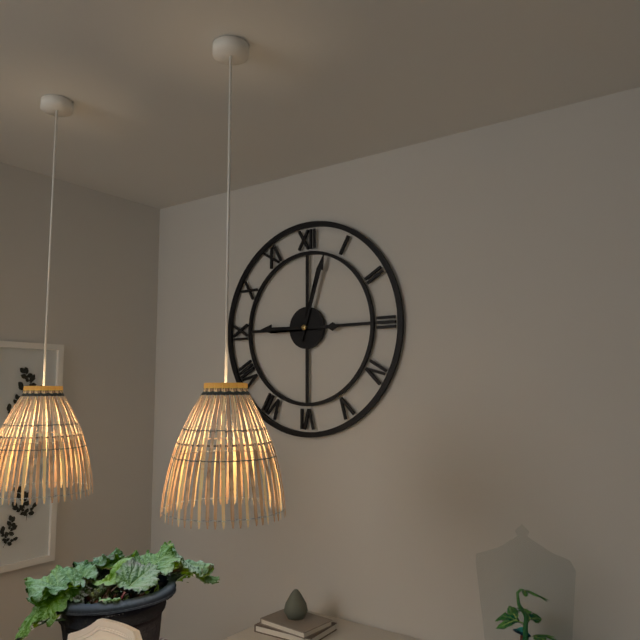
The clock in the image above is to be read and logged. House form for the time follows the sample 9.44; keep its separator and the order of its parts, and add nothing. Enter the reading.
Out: 9.03
